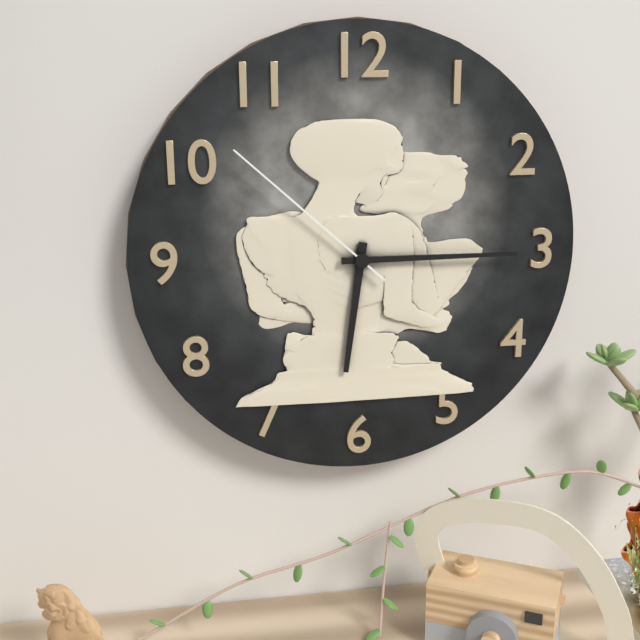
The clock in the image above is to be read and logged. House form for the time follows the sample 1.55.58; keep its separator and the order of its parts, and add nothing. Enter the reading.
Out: 6.15.52
